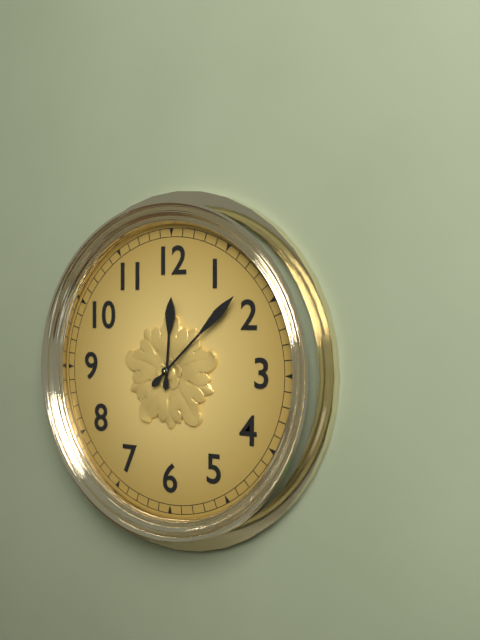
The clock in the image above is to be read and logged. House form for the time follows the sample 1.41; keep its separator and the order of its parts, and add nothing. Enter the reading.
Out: 12.08
